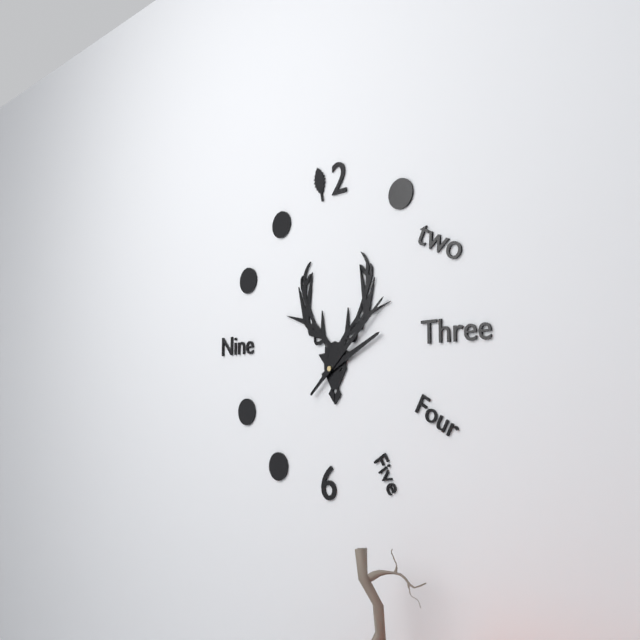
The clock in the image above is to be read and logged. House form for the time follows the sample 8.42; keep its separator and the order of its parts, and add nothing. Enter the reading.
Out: 2.08
